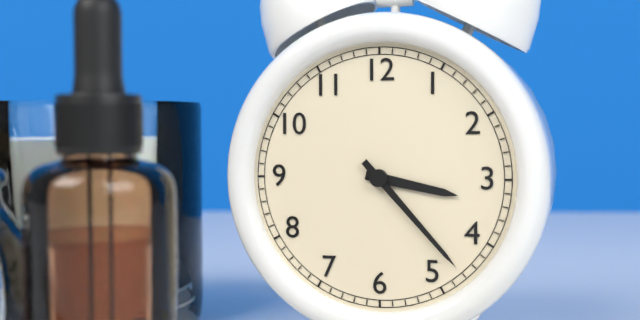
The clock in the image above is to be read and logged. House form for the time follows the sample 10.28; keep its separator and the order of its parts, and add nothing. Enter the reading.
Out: 3.23
